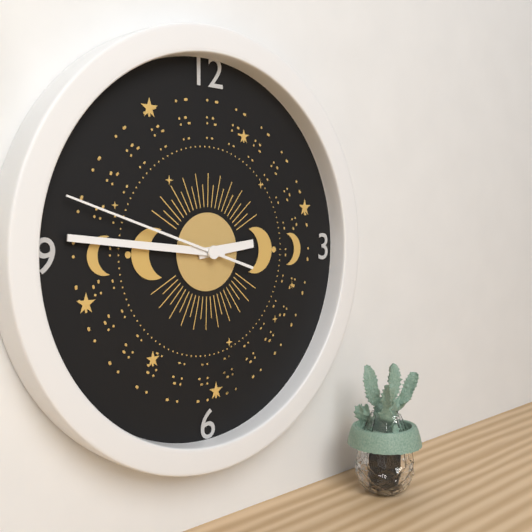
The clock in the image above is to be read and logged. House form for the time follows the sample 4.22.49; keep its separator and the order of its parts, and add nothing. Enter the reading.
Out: 2.46.48
